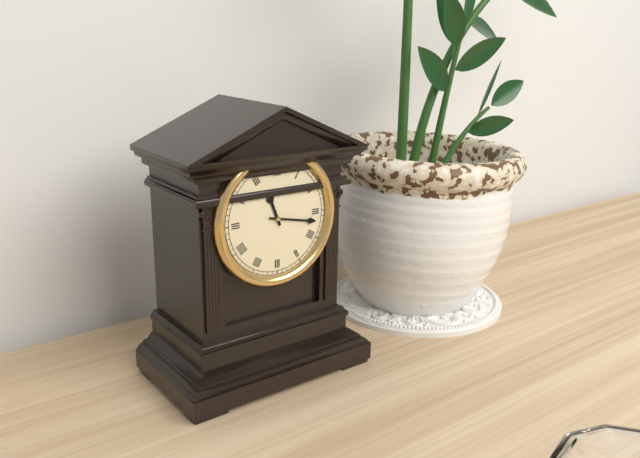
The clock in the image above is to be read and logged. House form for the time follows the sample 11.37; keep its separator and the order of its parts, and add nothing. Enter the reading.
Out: 11.17
